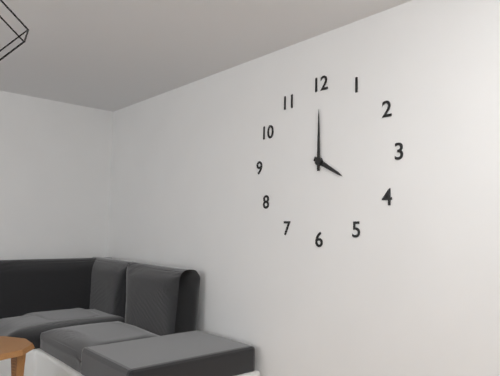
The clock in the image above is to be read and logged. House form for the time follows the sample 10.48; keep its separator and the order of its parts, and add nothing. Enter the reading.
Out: 4.00
